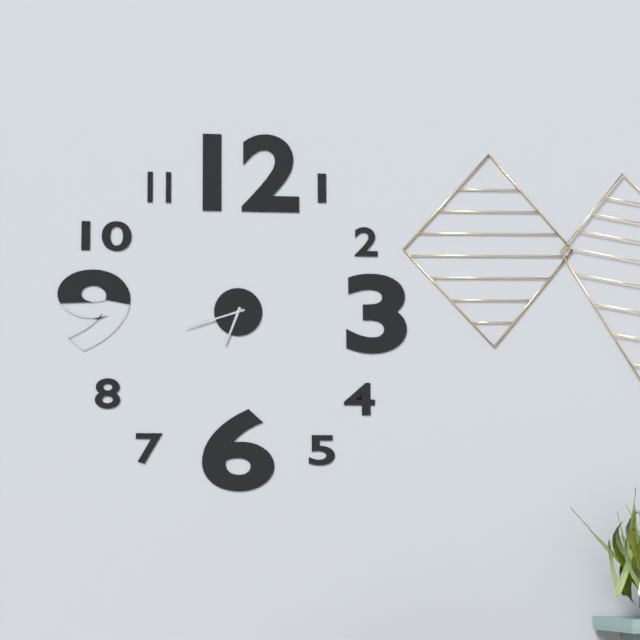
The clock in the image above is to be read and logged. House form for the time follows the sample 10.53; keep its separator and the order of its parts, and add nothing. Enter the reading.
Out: 6.42
